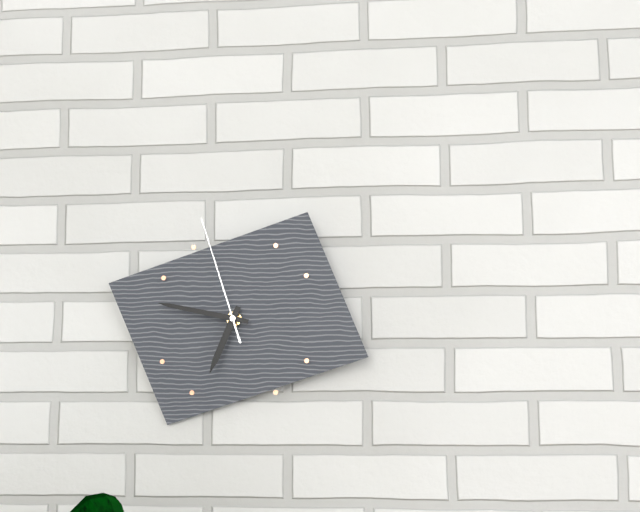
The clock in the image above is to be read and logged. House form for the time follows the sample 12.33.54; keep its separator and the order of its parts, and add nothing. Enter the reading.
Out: 6.47.57
